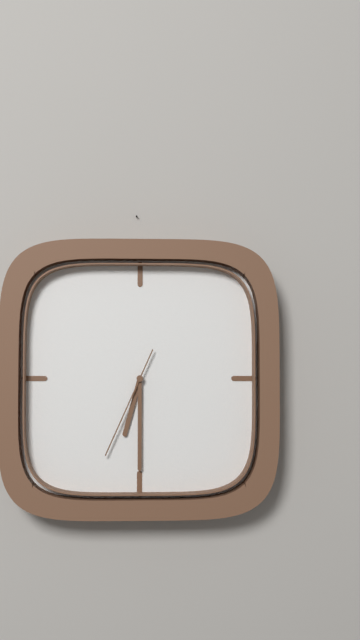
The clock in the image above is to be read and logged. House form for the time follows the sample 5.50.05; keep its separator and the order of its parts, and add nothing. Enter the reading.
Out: 6.30.34
